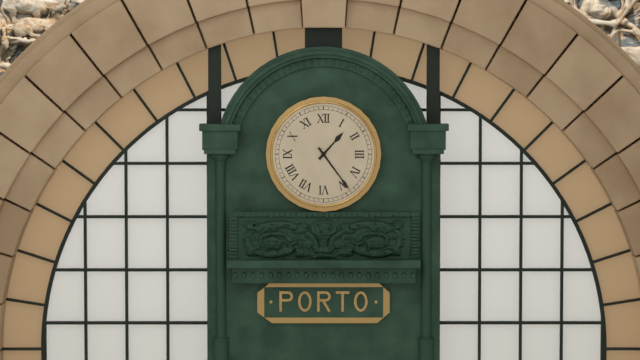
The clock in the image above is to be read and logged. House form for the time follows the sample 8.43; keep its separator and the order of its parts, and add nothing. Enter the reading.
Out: 1.24
